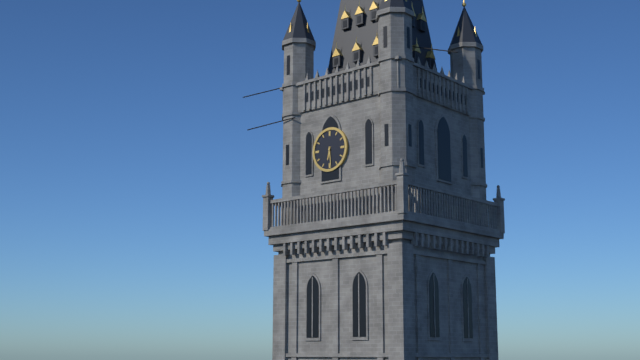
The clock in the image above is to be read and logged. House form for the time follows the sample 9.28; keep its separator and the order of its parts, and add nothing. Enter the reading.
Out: 6.29
